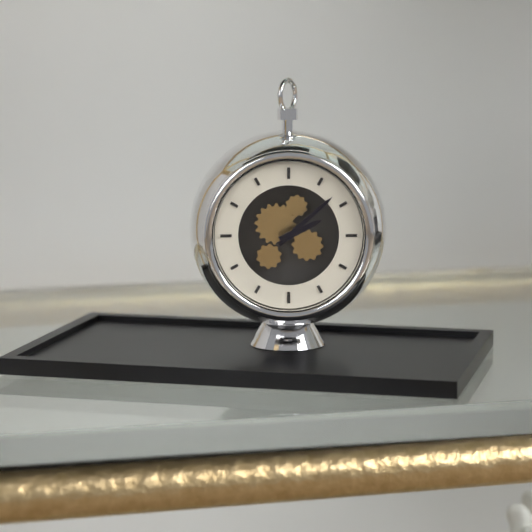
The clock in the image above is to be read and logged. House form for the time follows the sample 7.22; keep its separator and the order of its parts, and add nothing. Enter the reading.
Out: 2.08
